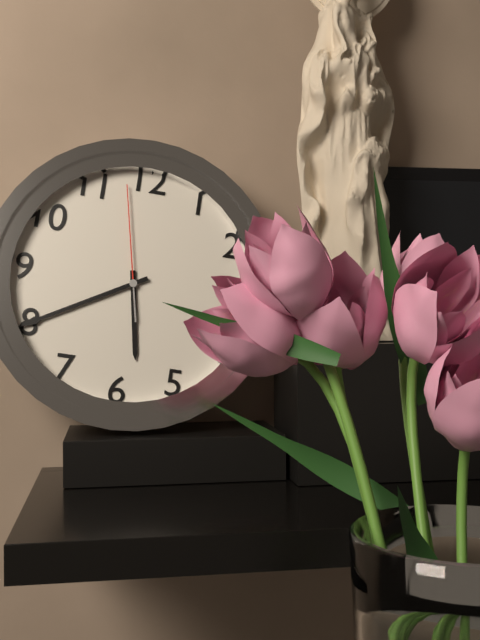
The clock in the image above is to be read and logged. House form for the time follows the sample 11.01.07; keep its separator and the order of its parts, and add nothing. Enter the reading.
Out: 5.40.58
